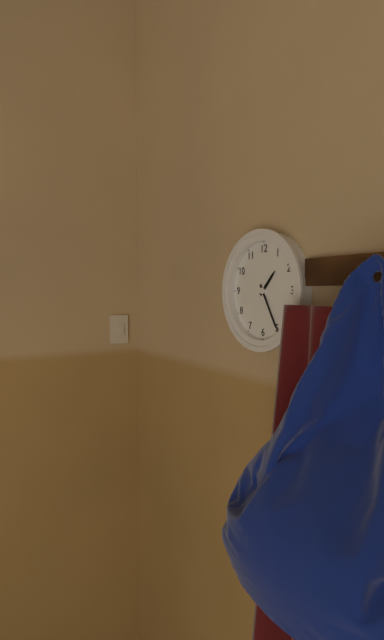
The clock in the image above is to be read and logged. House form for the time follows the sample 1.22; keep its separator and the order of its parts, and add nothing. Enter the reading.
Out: 1.25
